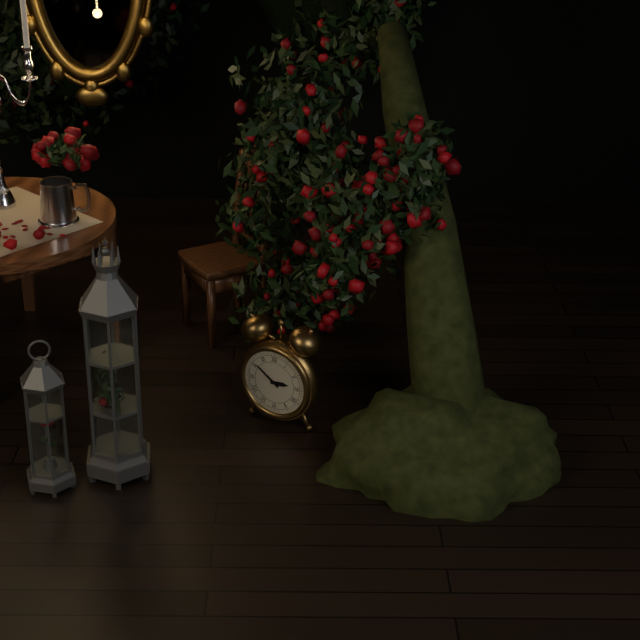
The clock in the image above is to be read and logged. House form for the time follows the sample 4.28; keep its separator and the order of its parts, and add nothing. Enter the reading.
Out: 2.51
